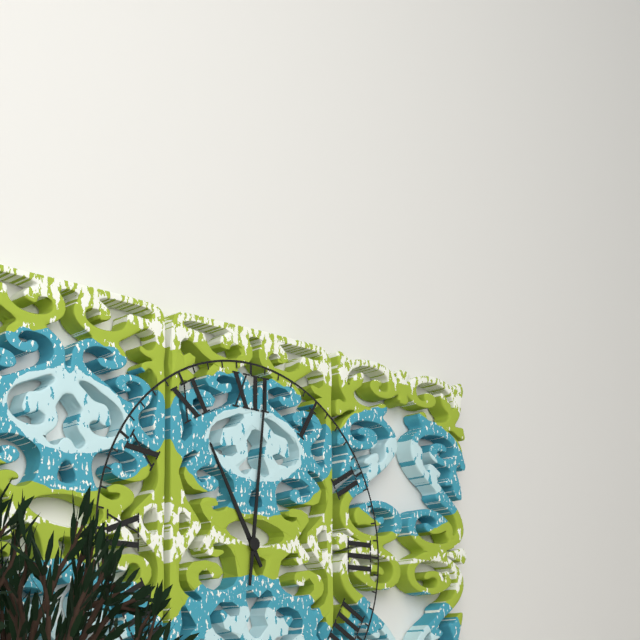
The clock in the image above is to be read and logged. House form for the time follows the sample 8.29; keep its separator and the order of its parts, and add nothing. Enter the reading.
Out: 11.01
